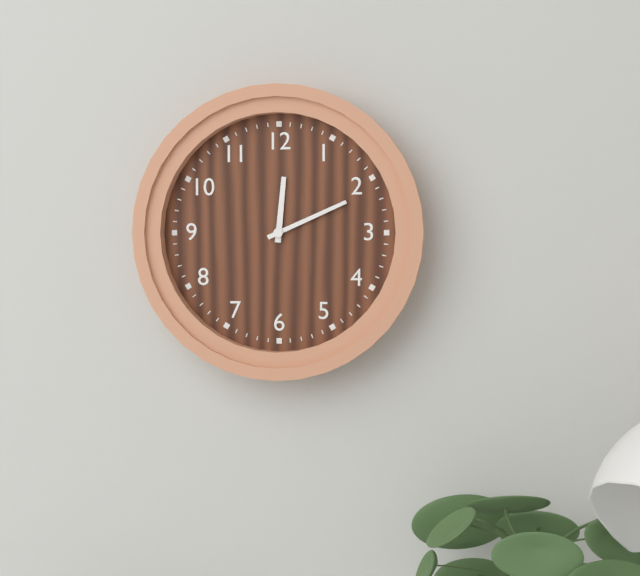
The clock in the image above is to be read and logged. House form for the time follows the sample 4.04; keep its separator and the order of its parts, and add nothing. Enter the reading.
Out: 12.11
